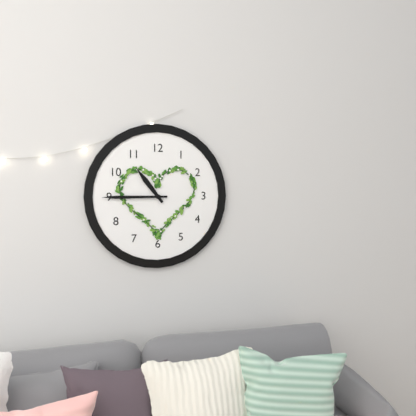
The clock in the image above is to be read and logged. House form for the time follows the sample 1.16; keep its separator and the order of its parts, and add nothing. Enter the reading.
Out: 10.45
